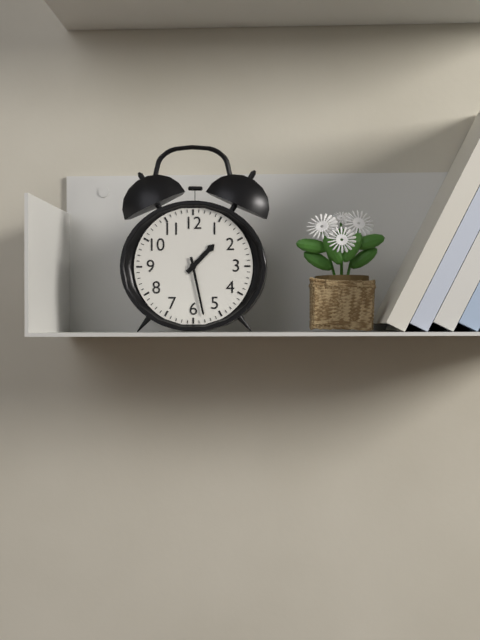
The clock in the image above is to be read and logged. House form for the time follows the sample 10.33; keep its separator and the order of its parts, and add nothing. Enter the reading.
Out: 1.28
